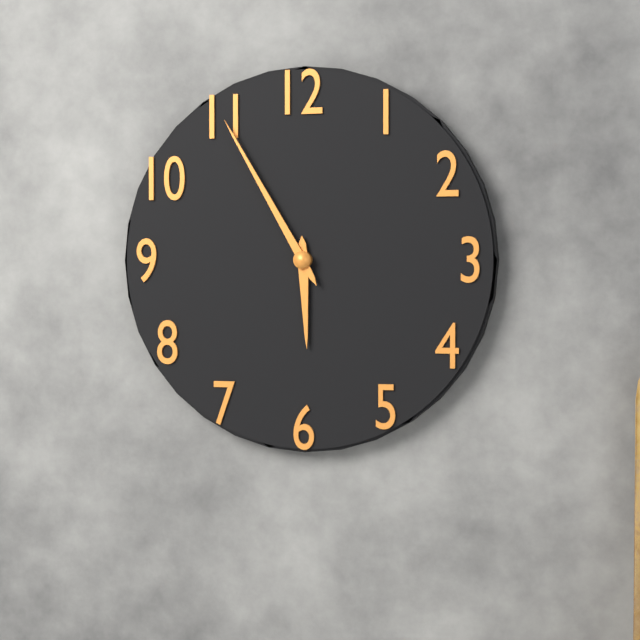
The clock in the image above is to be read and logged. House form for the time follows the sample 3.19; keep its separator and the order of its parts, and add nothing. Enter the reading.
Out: 5.55
